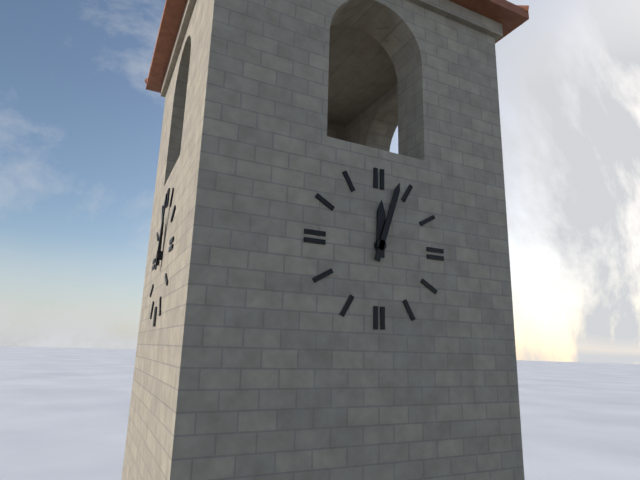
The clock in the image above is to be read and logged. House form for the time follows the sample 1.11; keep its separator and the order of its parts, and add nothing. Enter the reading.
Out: 12.03
